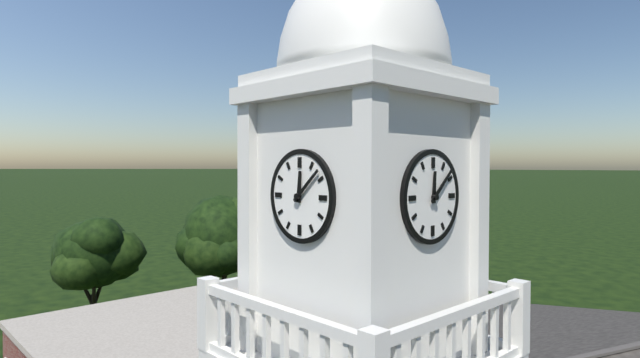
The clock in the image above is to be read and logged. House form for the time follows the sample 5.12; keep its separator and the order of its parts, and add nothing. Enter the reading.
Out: 12.08
